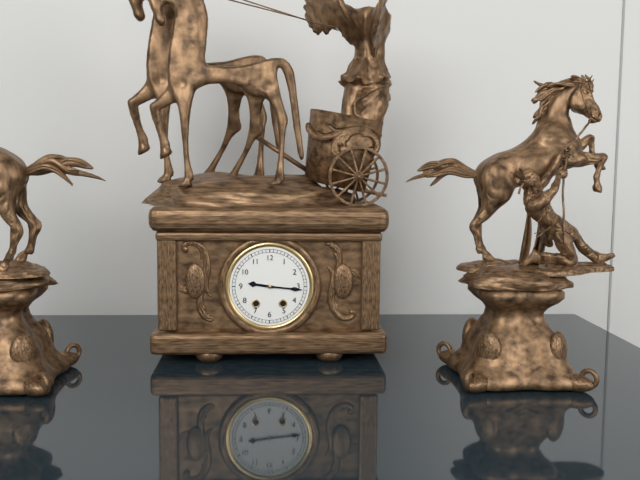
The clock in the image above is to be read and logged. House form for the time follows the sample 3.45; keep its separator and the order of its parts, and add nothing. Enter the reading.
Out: 9.16
